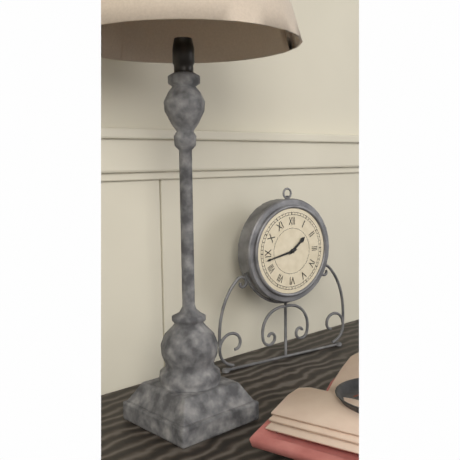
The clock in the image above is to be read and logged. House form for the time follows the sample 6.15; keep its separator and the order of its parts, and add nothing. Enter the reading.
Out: 1.43
